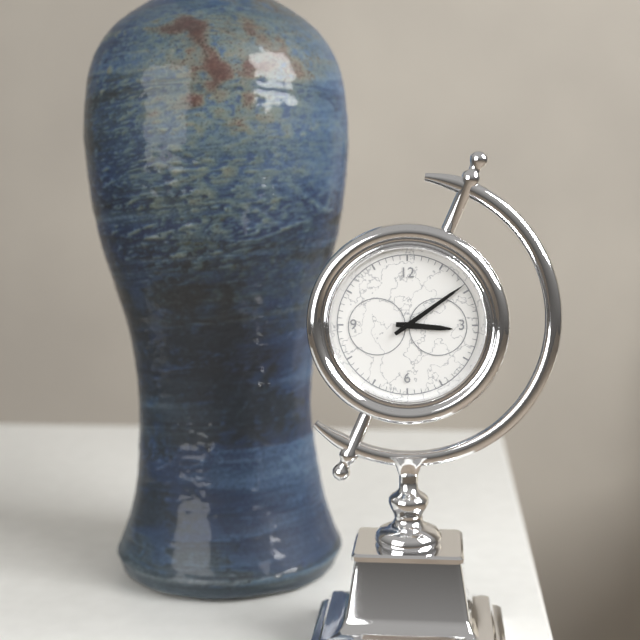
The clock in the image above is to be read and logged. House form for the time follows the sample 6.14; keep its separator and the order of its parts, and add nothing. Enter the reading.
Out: 3.09
